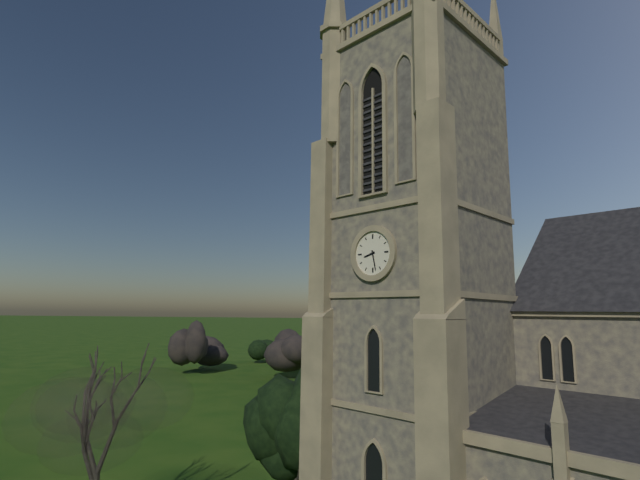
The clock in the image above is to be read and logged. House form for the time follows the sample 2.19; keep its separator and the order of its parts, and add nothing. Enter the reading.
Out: 8.28
